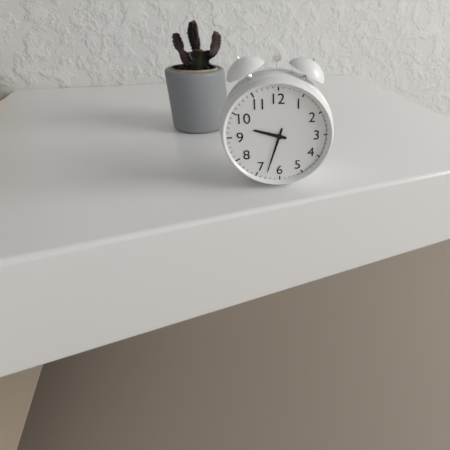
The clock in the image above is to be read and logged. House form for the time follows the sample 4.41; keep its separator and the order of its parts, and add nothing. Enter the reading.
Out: 9.33
